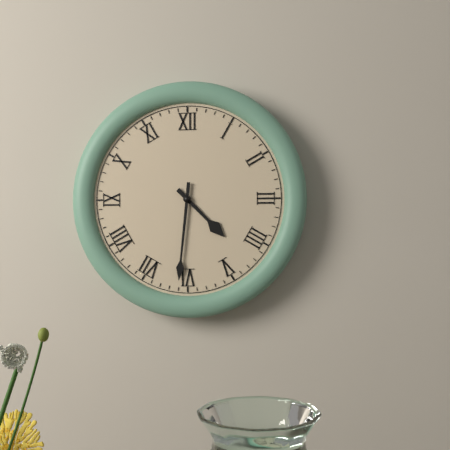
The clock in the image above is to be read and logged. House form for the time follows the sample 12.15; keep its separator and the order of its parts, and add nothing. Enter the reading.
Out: 4.31
